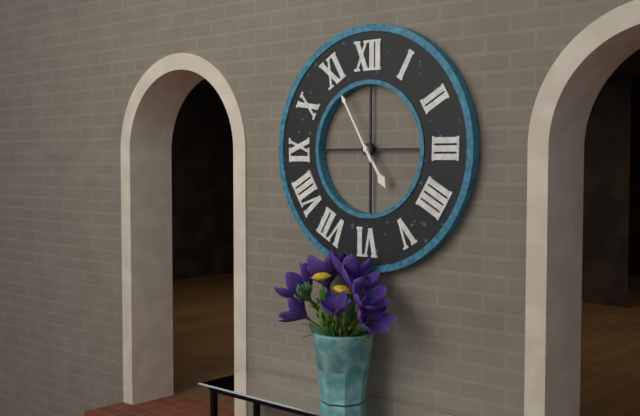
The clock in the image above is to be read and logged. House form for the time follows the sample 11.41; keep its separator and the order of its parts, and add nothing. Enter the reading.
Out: 4.55
